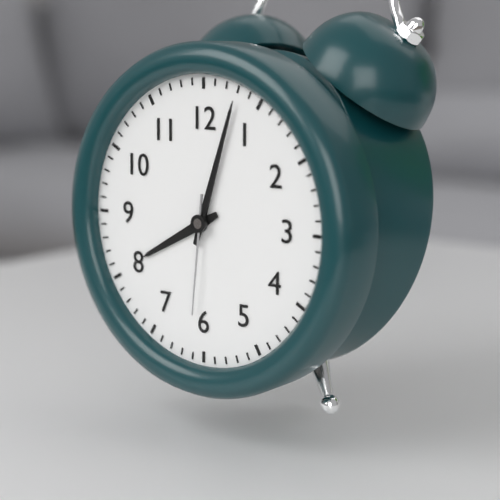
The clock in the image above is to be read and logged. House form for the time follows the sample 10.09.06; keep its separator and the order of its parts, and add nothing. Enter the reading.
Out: 8.03.31
